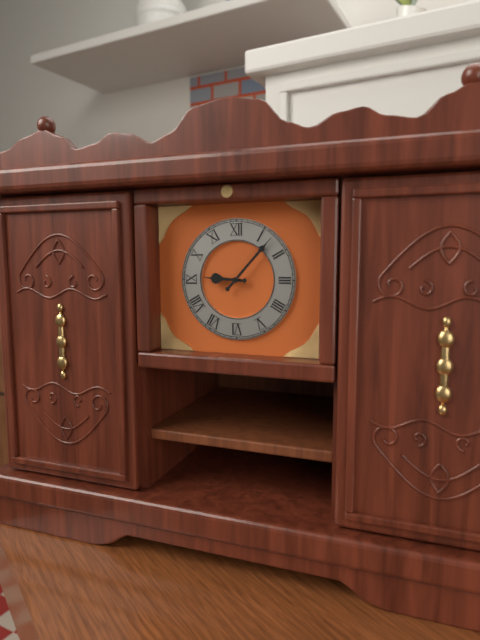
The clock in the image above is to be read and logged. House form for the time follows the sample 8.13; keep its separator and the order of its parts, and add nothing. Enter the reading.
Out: 9.07
